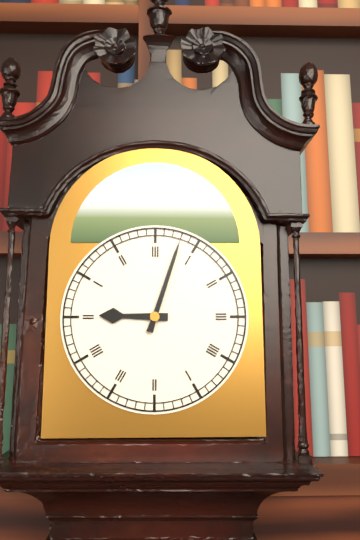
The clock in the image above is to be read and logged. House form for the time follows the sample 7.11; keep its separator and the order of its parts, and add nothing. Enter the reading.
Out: 9.03
